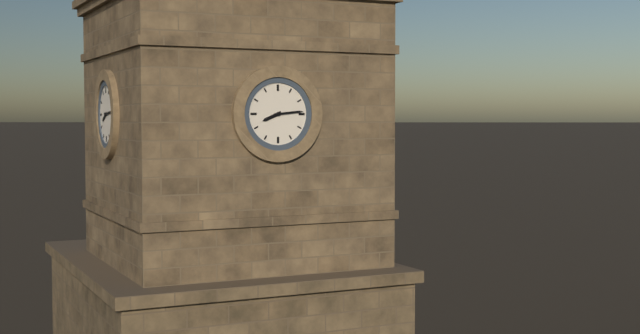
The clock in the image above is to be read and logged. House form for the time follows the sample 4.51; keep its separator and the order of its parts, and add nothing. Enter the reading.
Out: 8.14
